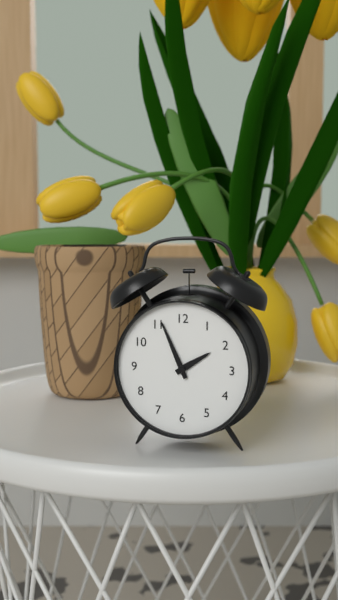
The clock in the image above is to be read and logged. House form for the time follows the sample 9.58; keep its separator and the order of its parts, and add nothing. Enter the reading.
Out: 1.56
